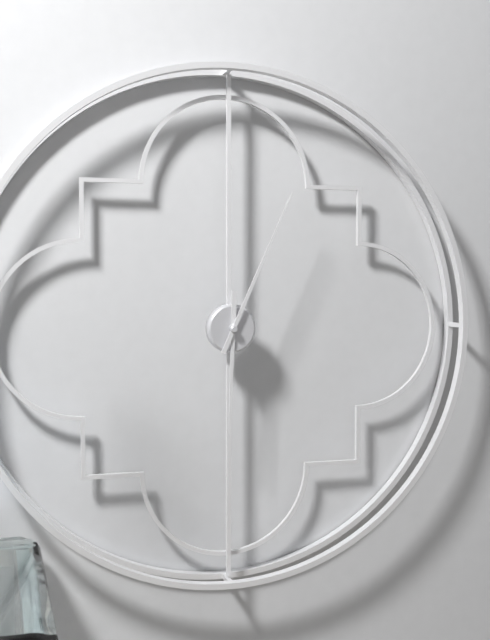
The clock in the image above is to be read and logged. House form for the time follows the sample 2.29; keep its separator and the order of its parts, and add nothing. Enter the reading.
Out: 6.04
